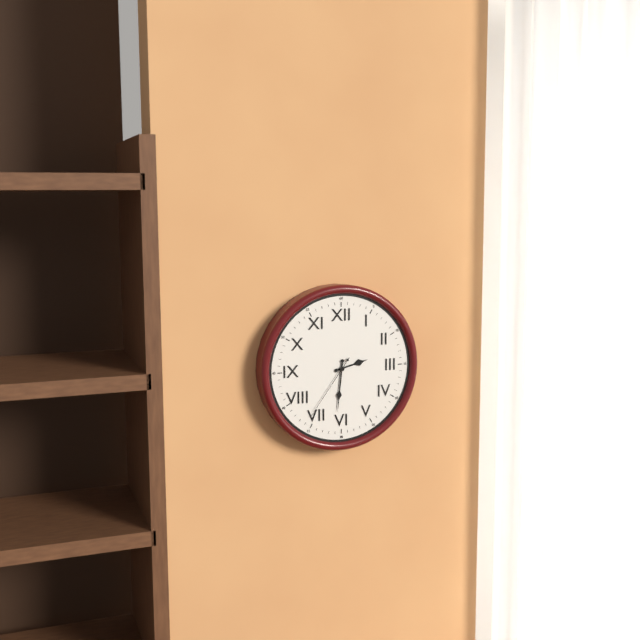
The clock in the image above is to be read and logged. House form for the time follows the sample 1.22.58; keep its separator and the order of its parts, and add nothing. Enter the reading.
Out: 2.31.36
